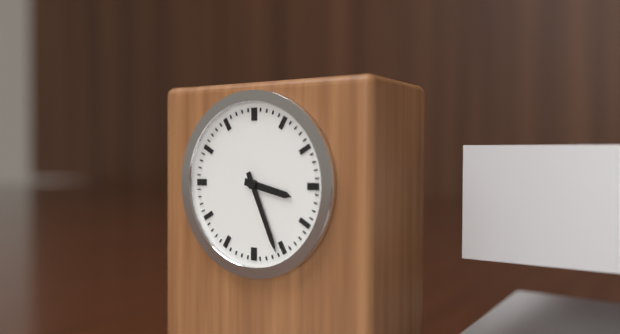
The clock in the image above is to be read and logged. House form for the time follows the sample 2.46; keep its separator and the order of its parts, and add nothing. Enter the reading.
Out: 3.26
